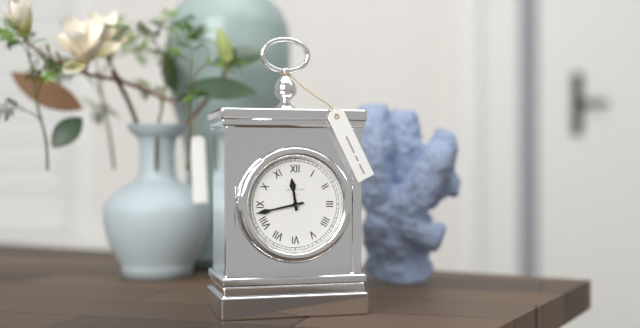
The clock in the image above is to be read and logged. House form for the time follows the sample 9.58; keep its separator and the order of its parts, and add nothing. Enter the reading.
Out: 11.43
